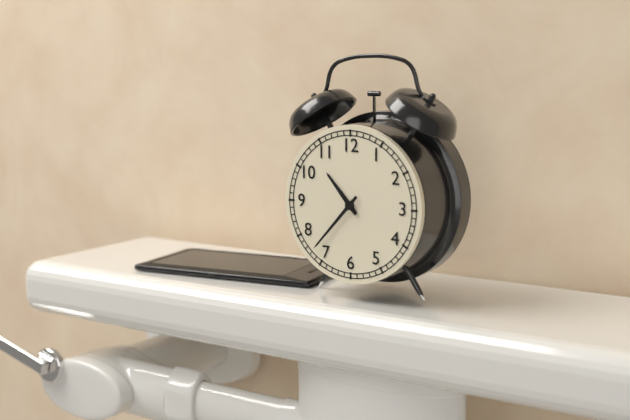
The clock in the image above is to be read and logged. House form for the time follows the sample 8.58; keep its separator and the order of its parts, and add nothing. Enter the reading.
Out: 10.37
